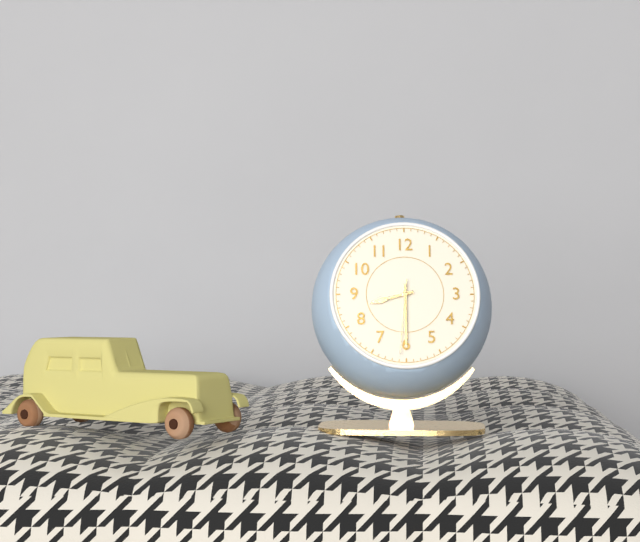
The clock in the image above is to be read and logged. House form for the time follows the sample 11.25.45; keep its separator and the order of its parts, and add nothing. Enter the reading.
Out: 8.30.31
